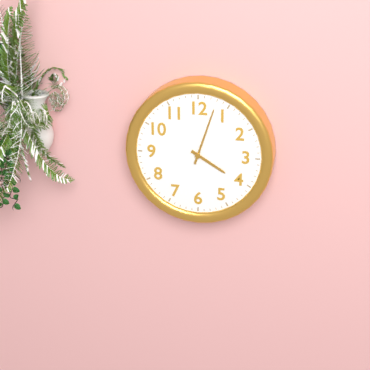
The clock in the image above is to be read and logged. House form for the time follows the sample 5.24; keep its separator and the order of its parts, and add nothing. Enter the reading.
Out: 4.03
